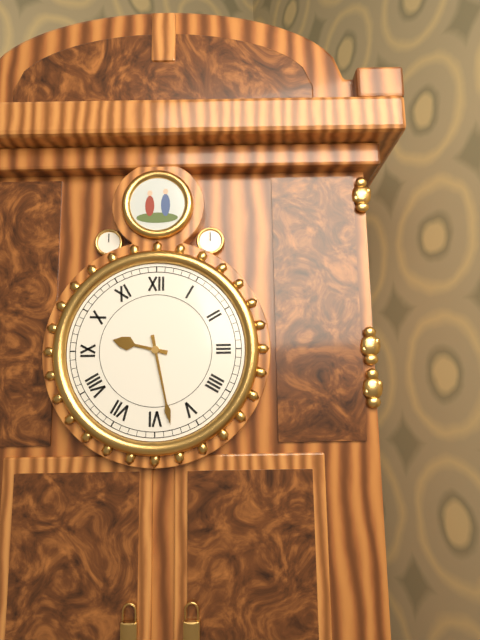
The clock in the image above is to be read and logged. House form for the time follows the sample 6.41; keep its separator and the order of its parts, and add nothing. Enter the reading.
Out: 9.28
